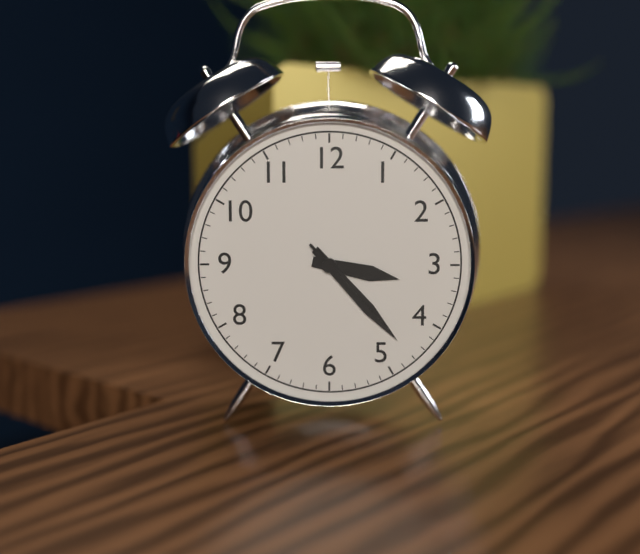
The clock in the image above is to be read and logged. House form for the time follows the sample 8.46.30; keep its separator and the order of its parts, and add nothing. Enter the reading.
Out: 3.23.23
